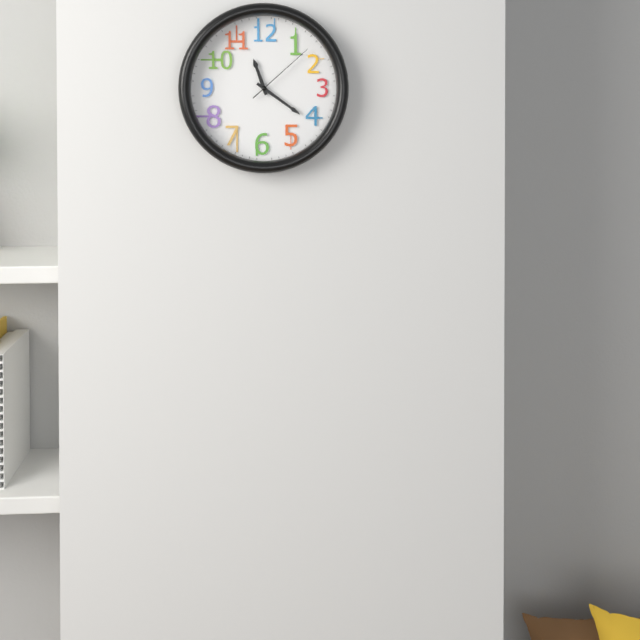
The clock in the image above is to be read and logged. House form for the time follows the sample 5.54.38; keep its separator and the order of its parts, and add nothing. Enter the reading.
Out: 11.21.08
